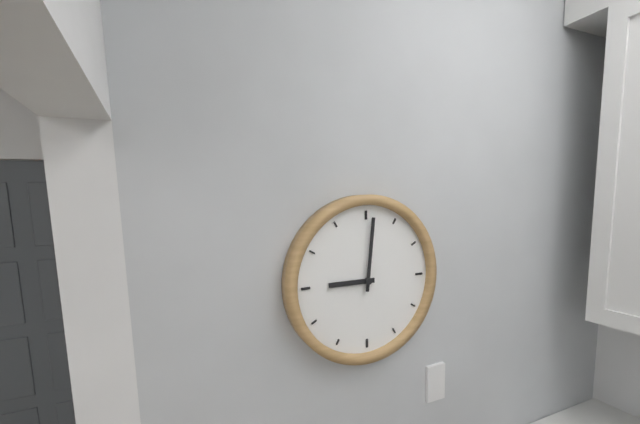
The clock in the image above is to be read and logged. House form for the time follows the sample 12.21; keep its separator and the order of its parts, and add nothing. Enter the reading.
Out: 9.01
